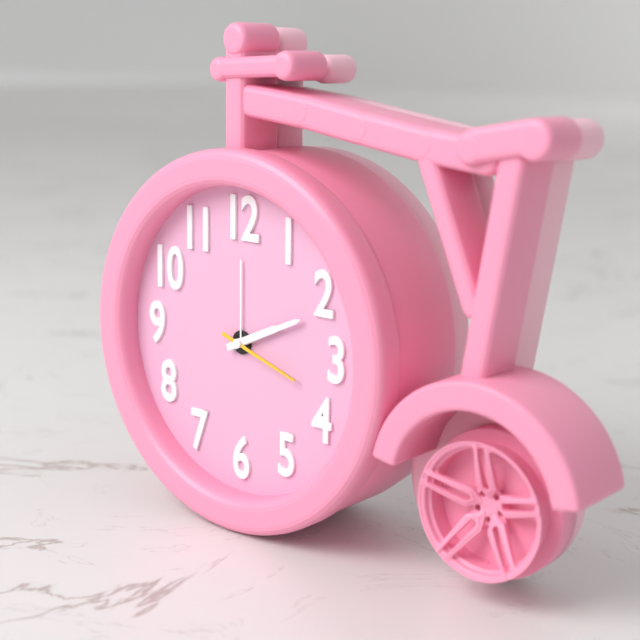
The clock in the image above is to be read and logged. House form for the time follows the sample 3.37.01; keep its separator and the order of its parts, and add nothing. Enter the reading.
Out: 2.11.18
